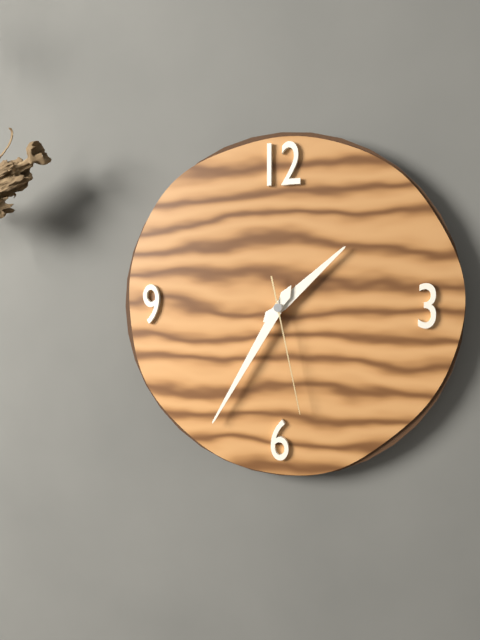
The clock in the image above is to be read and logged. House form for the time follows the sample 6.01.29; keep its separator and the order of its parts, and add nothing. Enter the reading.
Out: 1.35.28
